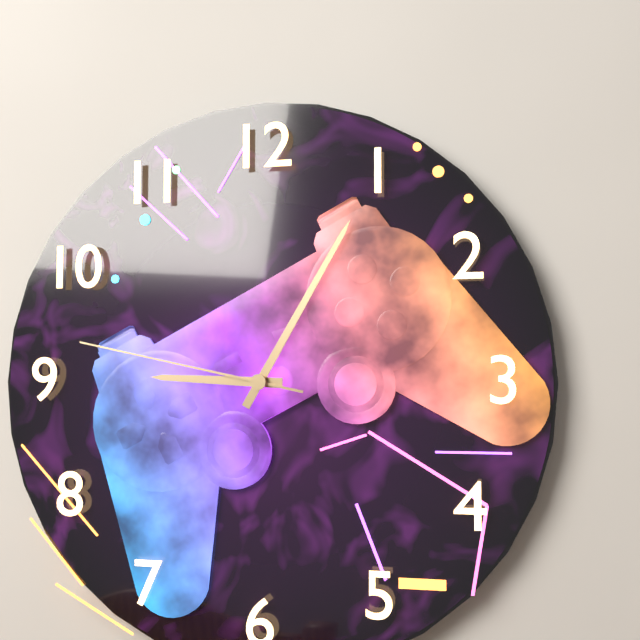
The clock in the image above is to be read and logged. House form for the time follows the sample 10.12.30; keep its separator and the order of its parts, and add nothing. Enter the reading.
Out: 9.05.47
